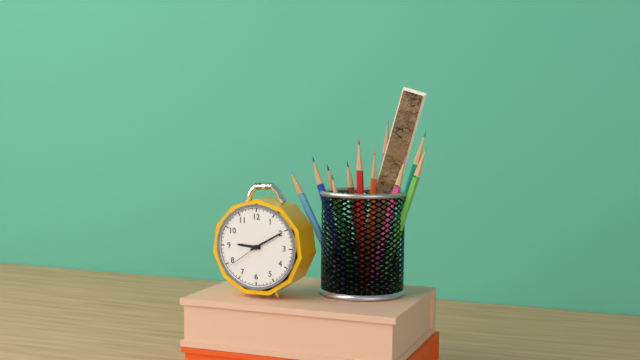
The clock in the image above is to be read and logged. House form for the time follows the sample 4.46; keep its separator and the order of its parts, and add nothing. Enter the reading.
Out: 9.10
